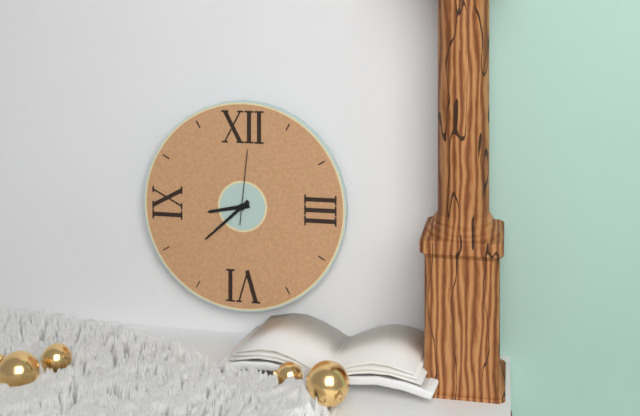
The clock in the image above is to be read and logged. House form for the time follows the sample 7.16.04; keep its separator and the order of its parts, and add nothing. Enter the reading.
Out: 8.38.01
